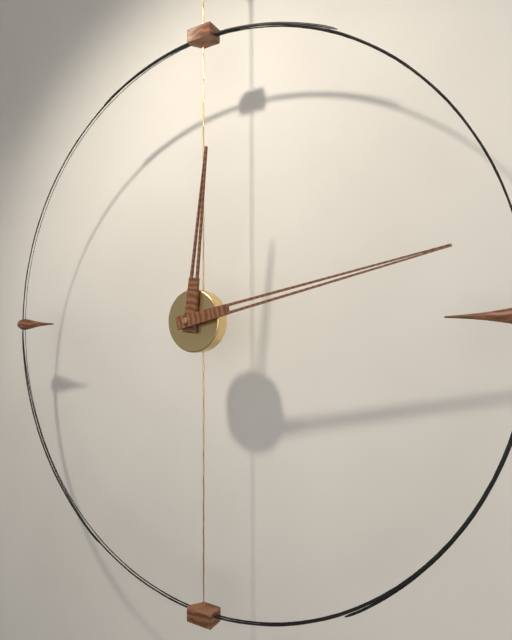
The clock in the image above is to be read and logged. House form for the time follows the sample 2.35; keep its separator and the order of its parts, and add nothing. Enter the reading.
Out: 12.13
